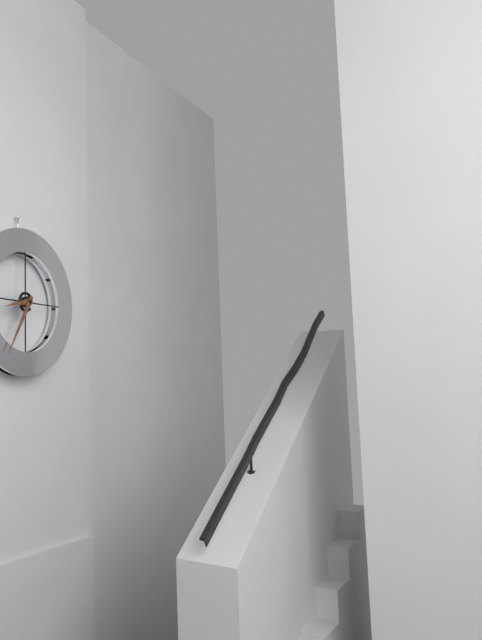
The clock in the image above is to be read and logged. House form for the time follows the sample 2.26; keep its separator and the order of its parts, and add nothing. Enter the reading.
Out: 8.35
